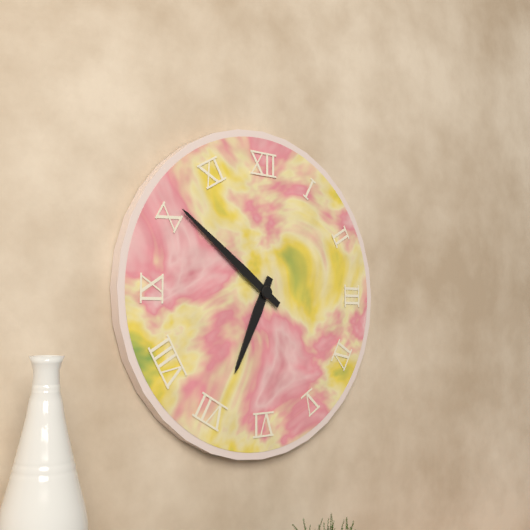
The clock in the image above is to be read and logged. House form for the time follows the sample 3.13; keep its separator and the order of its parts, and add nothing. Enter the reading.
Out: 6.51
